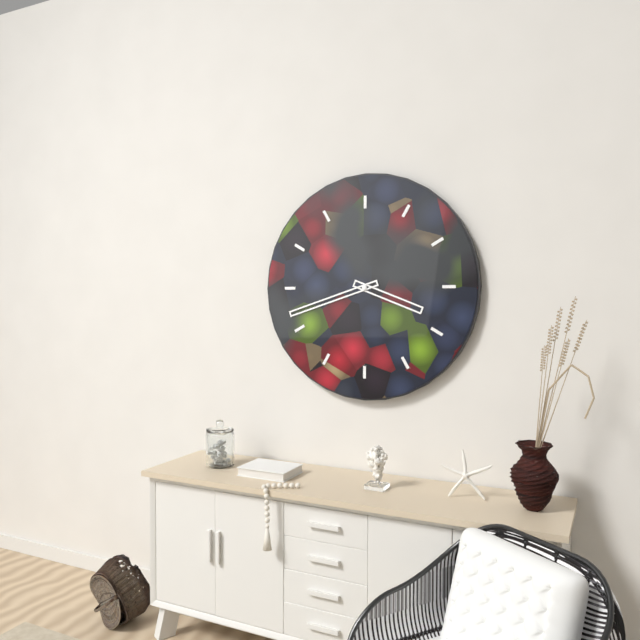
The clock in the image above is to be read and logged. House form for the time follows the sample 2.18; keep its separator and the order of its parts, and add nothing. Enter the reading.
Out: 3.42
